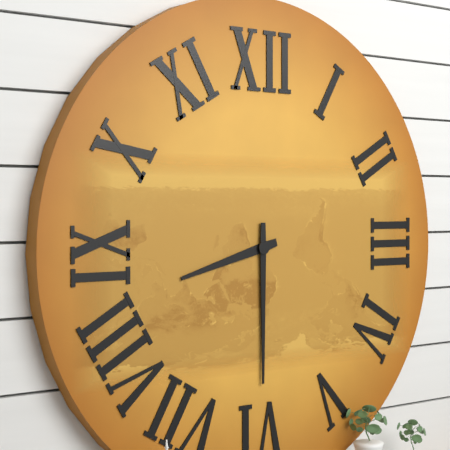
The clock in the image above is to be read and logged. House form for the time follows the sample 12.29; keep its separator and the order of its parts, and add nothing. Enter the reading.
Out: 8.30
